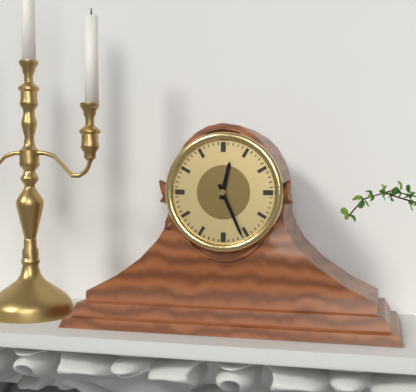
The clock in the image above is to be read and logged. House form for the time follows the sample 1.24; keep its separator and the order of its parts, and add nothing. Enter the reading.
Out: 12.26
